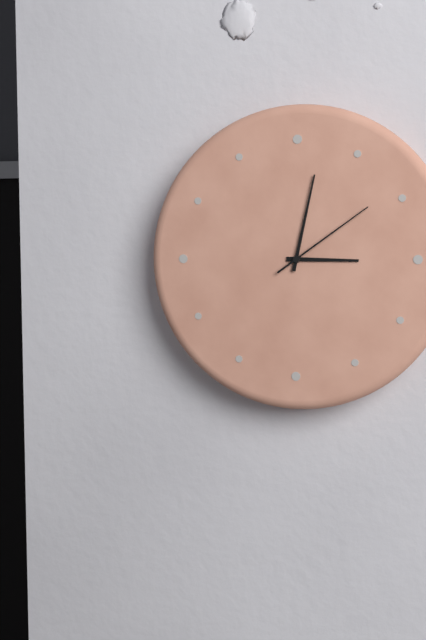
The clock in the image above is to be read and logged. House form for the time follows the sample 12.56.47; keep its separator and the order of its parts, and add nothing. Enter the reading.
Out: 3.02.09
